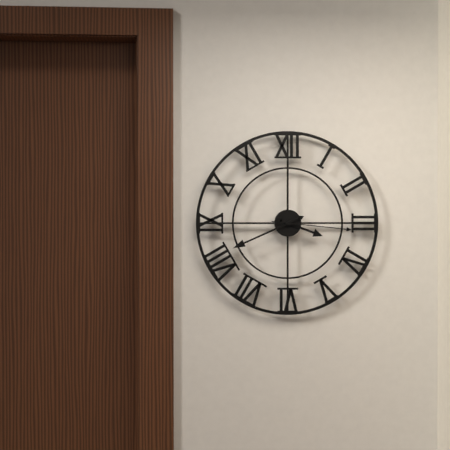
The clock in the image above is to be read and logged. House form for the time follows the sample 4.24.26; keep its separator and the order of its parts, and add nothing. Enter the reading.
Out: 3.41.16
